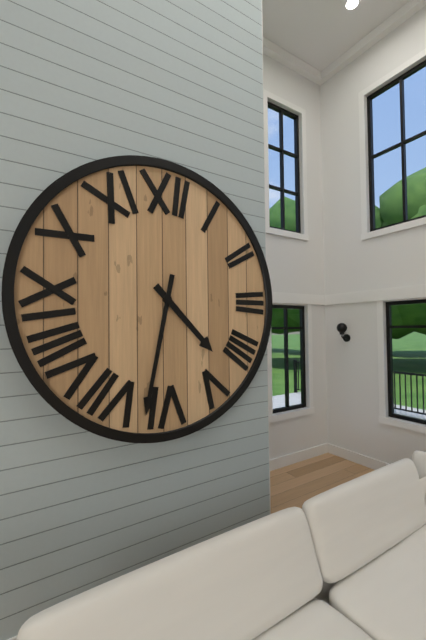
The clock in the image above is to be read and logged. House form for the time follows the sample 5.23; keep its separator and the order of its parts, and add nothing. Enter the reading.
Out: 4.32
